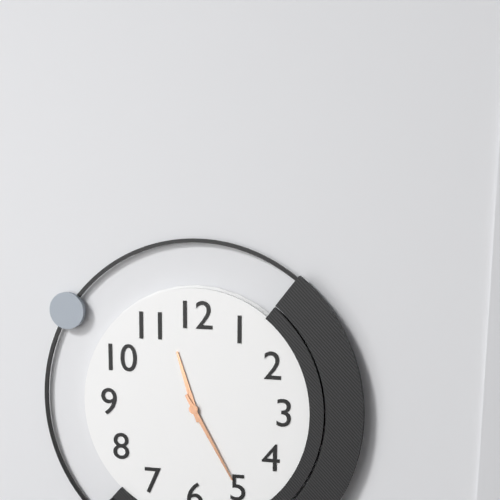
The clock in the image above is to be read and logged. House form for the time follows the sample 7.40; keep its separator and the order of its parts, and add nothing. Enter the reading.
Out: 11.25
